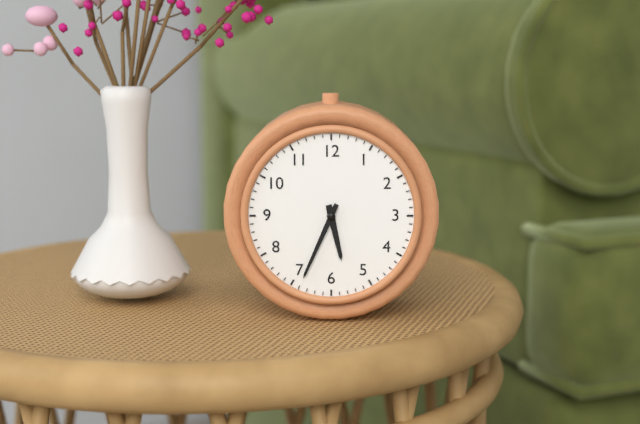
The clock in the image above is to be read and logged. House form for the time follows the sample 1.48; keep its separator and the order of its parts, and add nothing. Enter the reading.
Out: 5.34
